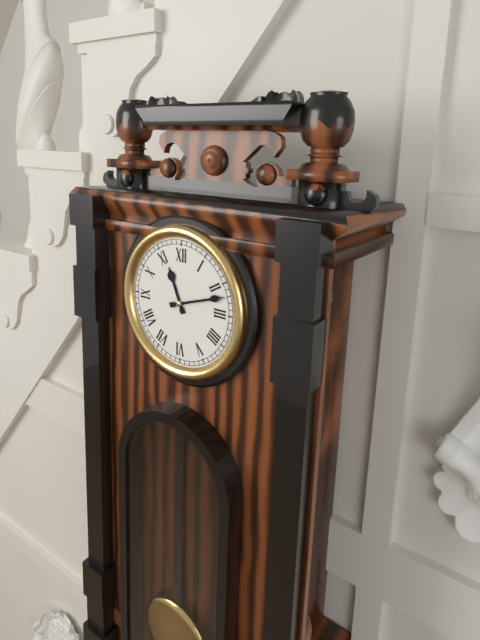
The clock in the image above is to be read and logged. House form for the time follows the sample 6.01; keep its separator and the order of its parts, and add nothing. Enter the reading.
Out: 11.12
